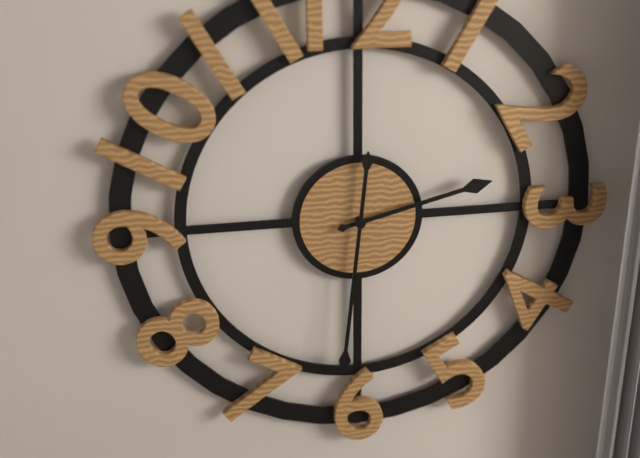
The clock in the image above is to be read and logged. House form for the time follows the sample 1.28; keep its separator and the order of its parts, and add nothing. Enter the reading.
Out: 2.31
